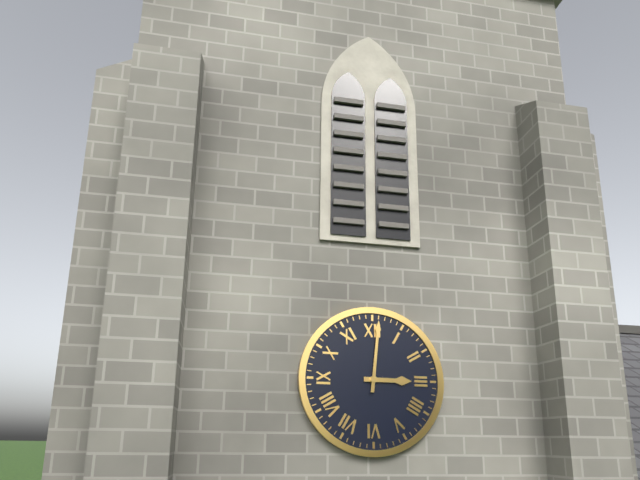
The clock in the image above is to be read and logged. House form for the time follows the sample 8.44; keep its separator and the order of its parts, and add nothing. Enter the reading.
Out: 3.01
